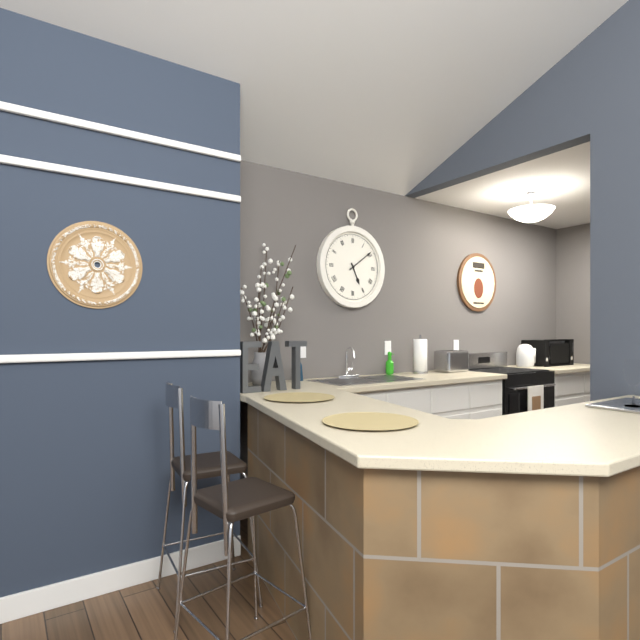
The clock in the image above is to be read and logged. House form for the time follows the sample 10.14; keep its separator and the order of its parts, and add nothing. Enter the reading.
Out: 5.09
